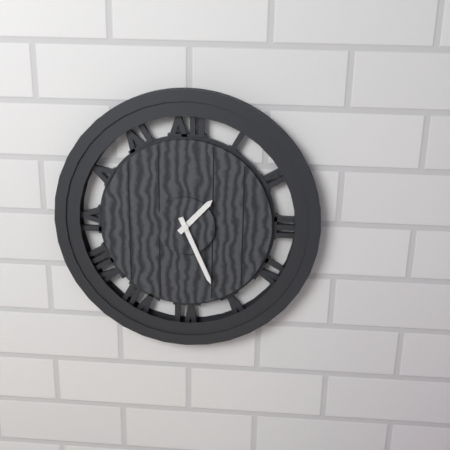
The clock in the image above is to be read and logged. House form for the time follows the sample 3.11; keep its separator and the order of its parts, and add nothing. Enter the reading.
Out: 1.26
